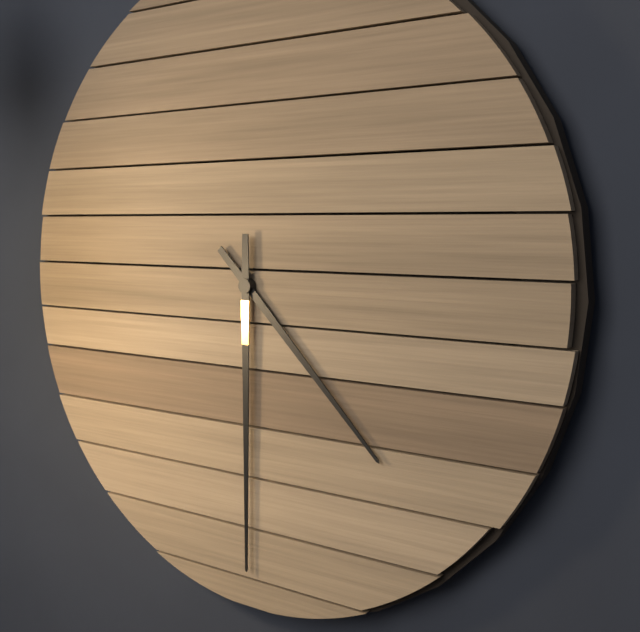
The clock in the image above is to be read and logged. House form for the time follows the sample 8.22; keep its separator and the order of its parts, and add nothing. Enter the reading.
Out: 4.30
